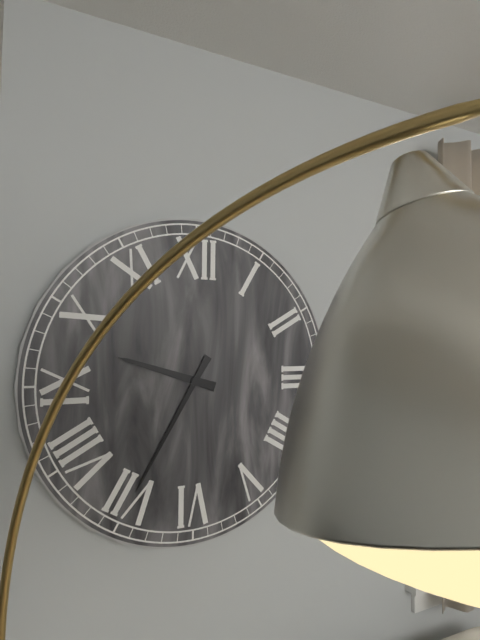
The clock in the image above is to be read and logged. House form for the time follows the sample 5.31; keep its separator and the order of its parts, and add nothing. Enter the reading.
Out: 9.35
